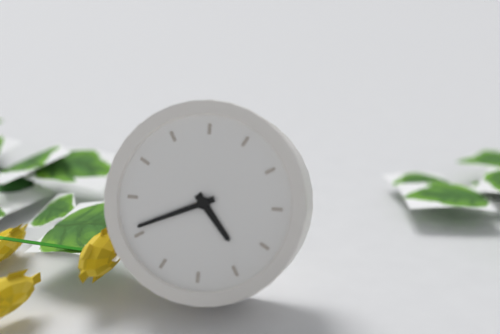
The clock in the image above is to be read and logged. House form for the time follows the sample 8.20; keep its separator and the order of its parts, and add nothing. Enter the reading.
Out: 4.41
